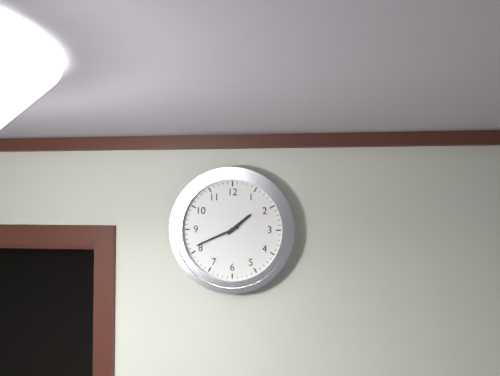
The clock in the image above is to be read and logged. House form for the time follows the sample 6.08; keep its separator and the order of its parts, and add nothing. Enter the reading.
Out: 1.41
